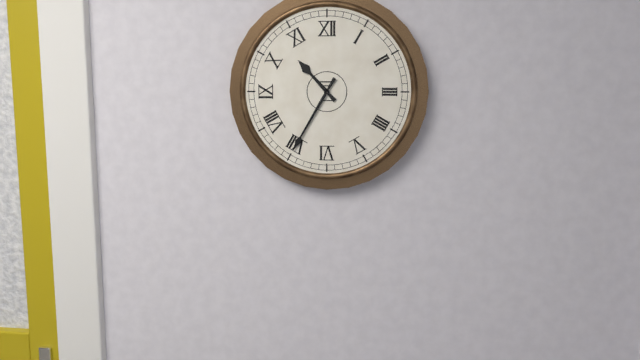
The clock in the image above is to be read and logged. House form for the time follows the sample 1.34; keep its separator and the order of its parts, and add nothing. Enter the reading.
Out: 10.35
